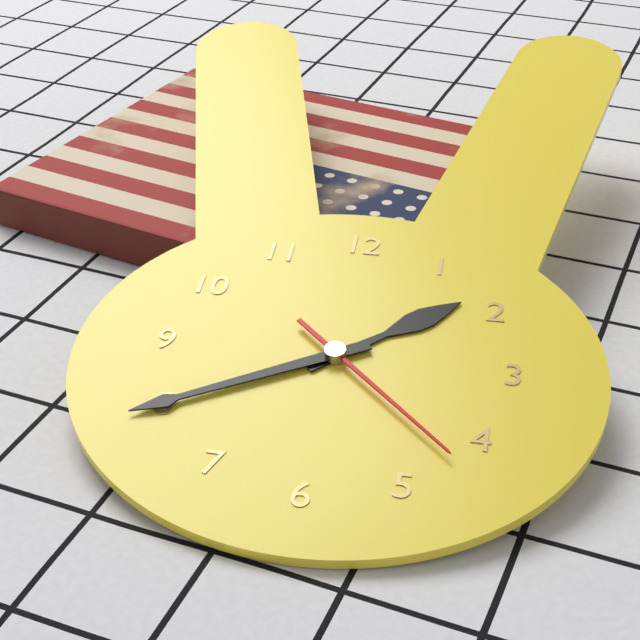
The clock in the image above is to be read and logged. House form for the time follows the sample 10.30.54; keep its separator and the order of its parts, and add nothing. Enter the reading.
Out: 1.40.22
